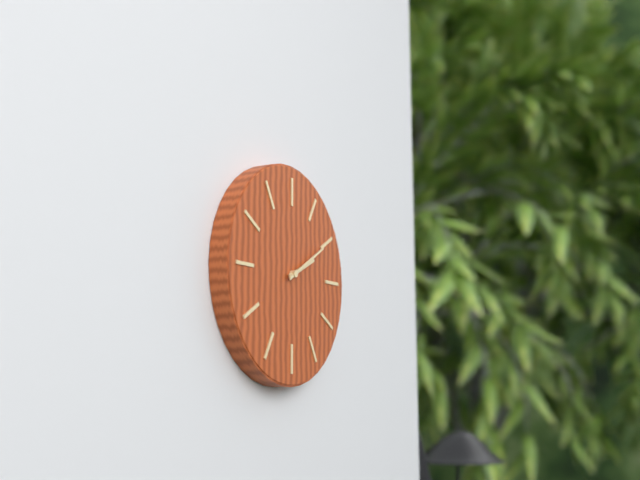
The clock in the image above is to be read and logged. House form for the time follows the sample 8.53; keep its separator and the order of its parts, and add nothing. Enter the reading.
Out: 2.10
